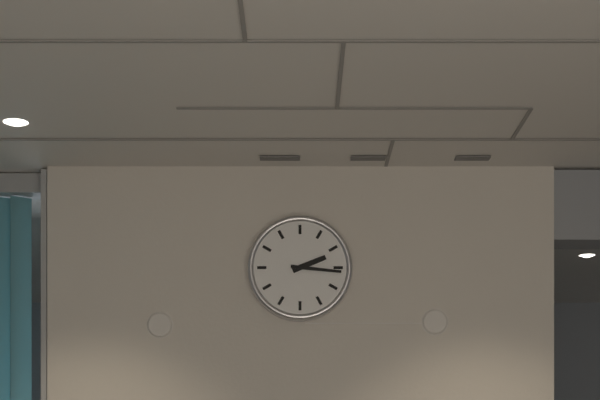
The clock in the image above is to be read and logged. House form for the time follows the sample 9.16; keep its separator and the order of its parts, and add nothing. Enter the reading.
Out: 2.16
